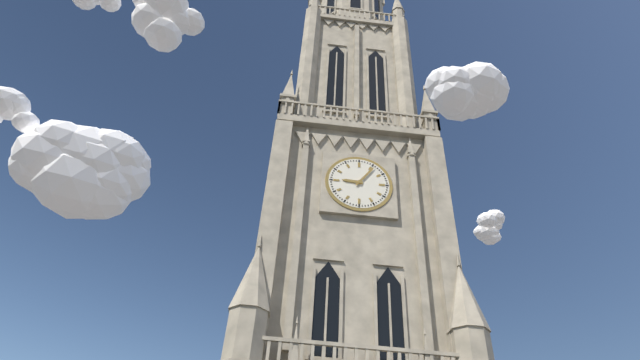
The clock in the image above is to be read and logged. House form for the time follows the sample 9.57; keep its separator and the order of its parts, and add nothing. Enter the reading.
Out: 9.06
